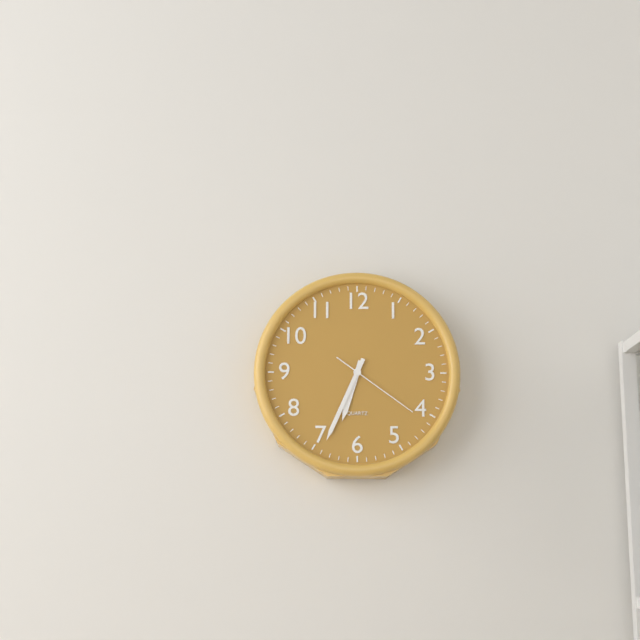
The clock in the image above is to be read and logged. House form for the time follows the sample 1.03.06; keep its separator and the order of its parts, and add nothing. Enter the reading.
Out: 6.34.21
